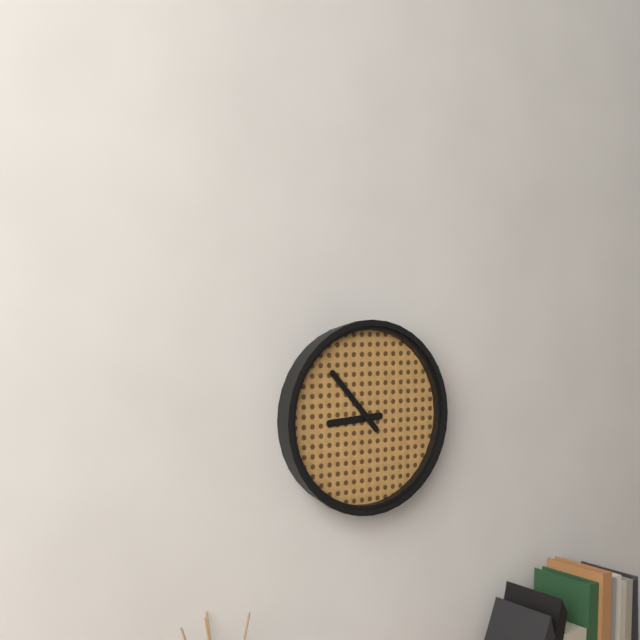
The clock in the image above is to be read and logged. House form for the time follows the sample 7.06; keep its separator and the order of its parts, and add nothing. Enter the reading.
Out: 8.53
